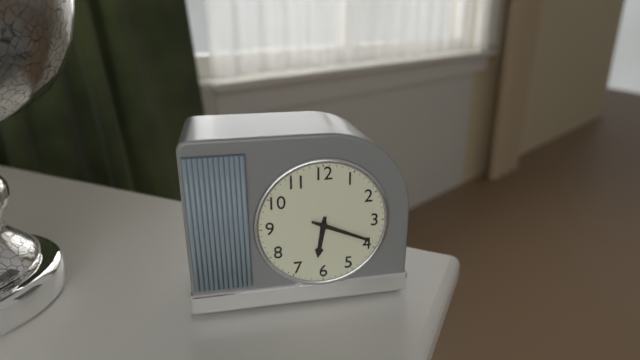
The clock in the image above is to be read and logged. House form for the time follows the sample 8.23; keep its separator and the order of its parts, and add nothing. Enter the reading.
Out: 6.19
